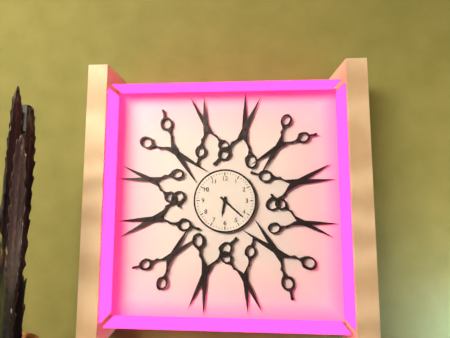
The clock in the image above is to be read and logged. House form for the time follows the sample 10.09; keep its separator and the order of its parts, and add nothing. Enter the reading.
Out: 6.22
